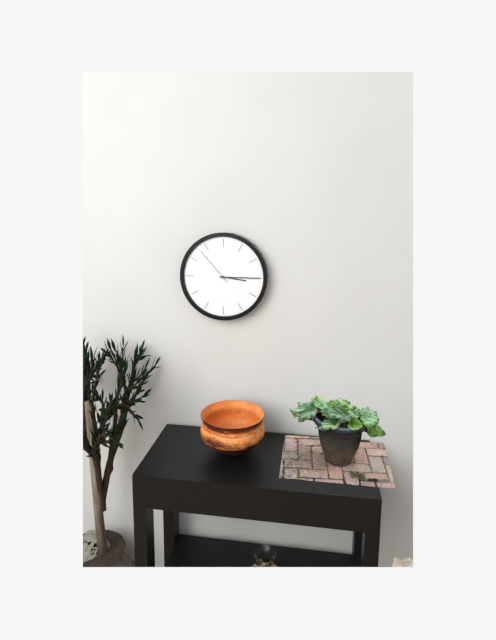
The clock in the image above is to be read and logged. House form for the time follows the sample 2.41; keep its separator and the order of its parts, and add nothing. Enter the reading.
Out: 3.15
